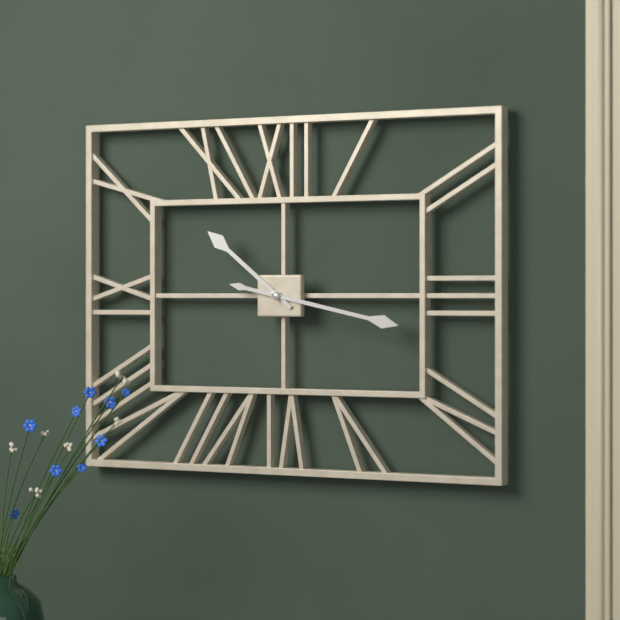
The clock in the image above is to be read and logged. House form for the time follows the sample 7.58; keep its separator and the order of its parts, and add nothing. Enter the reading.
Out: 10.17
